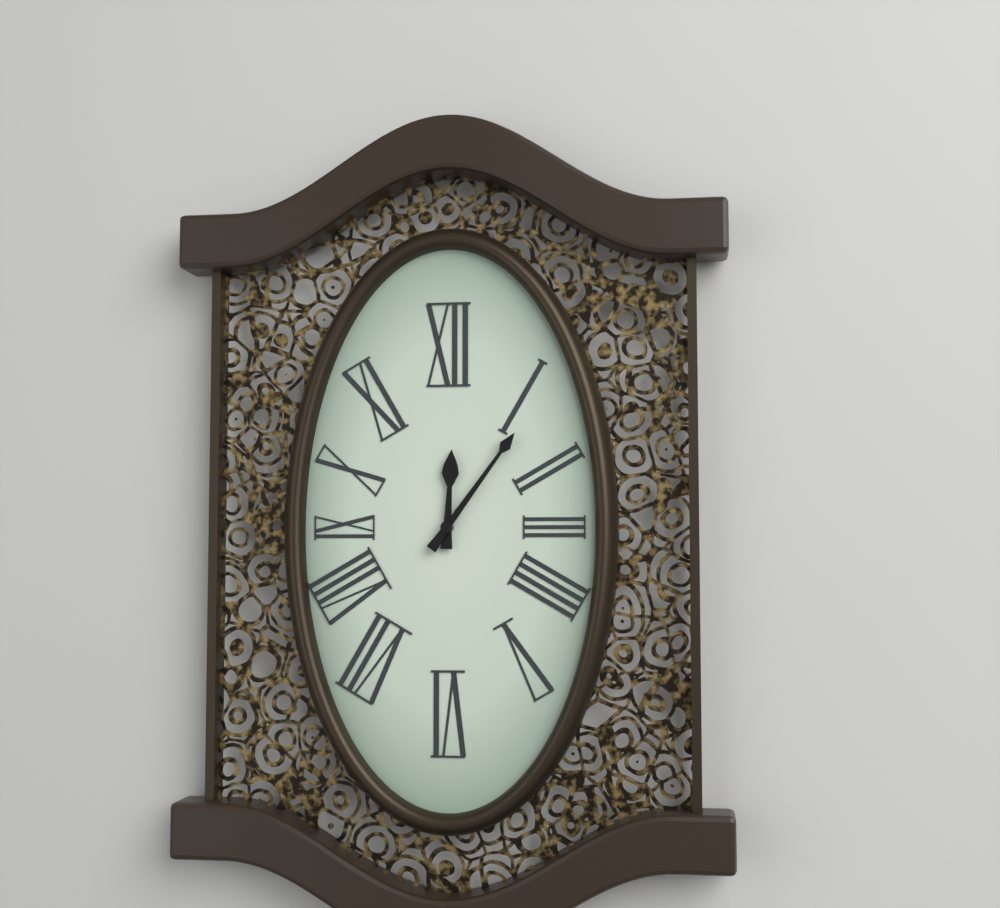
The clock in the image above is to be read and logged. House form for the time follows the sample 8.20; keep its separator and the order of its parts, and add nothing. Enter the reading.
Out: 12.06
